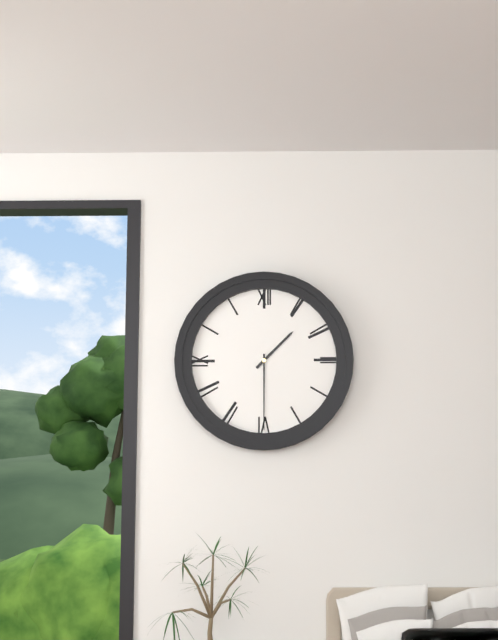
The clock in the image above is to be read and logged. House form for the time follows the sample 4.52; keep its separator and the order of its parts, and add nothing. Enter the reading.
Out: 1.30
